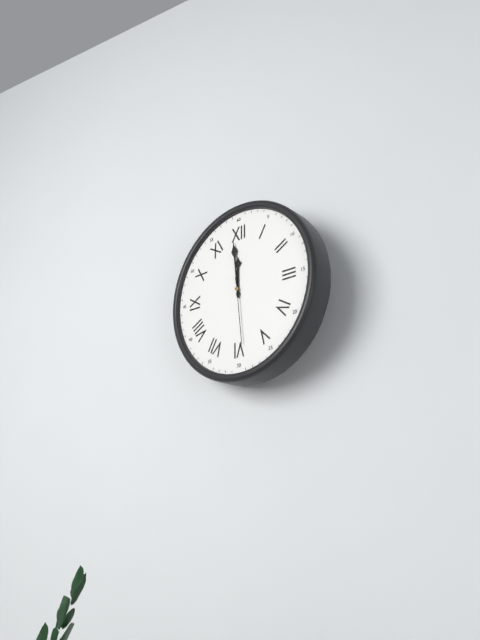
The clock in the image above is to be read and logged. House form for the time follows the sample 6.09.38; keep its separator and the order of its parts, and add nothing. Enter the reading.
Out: 11.59.29
